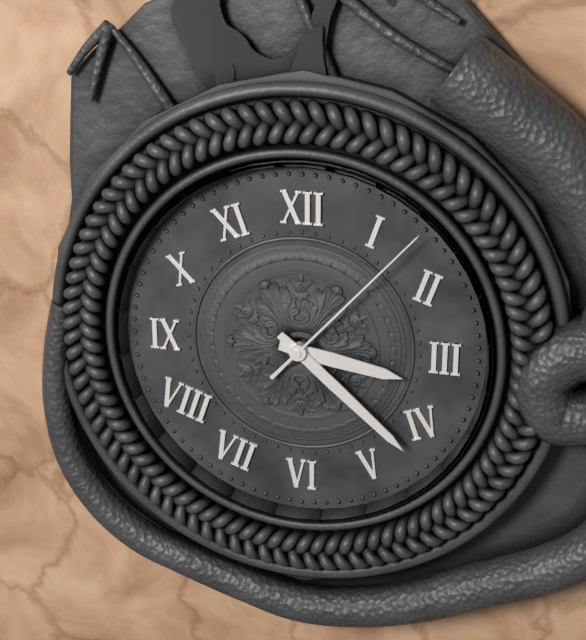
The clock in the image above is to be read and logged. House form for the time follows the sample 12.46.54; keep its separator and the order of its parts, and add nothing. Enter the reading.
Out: 3.22.07
